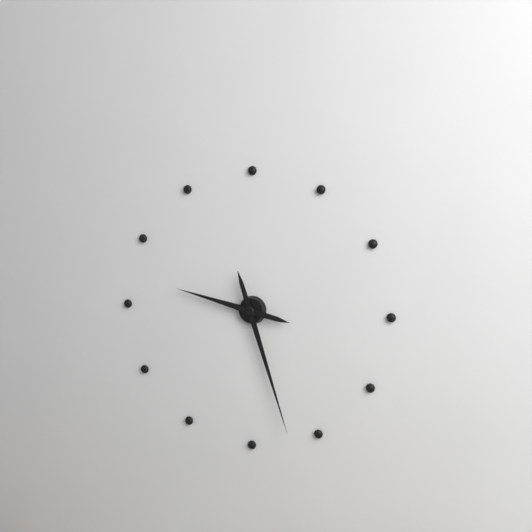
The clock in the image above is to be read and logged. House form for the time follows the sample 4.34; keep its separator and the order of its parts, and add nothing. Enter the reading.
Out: 9.27
